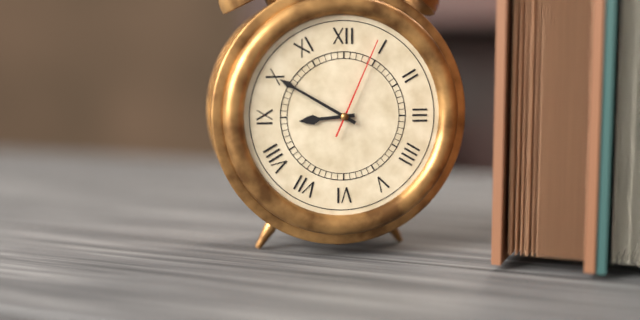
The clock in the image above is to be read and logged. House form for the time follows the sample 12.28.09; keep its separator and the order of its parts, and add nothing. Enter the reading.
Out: 8.50.04
